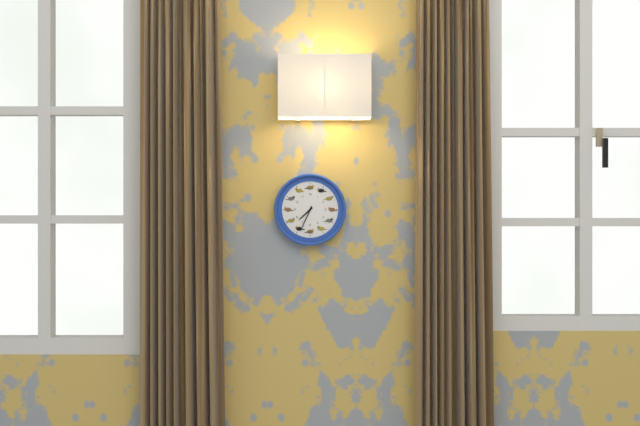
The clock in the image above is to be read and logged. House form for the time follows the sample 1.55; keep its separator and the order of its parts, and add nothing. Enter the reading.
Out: 7.34
